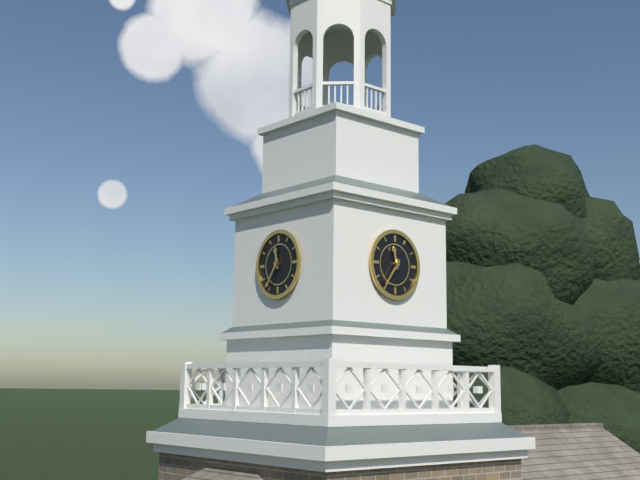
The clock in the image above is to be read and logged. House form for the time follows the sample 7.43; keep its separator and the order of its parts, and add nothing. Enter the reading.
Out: 11.36
